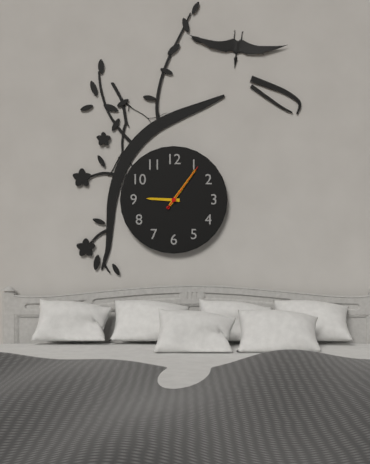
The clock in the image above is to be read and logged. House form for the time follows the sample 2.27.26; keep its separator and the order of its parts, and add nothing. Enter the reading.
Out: 9.06.06
